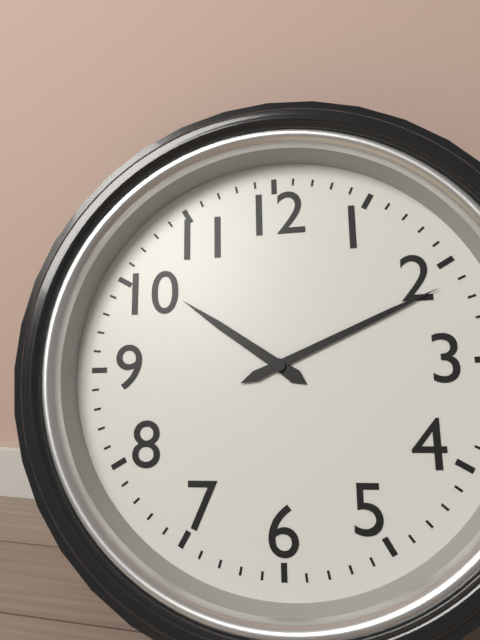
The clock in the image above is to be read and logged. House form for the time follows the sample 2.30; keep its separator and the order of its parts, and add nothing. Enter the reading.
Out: 10.11
